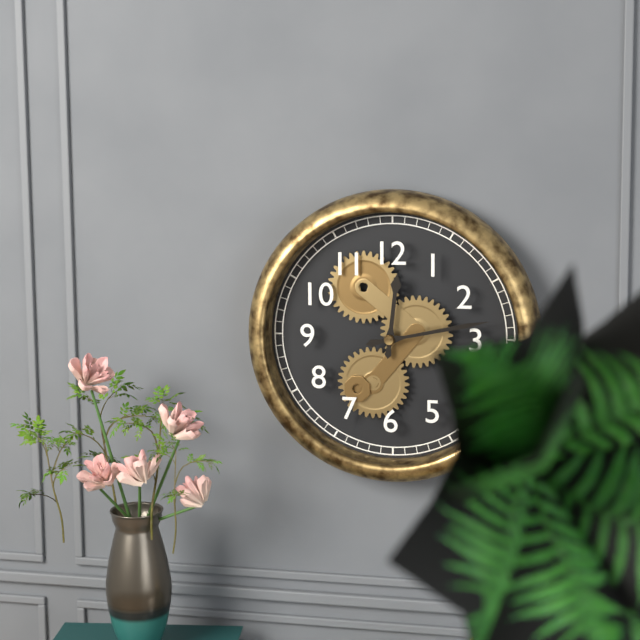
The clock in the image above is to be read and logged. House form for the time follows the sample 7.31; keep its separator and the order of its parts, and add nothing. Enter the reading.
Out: 12.13
